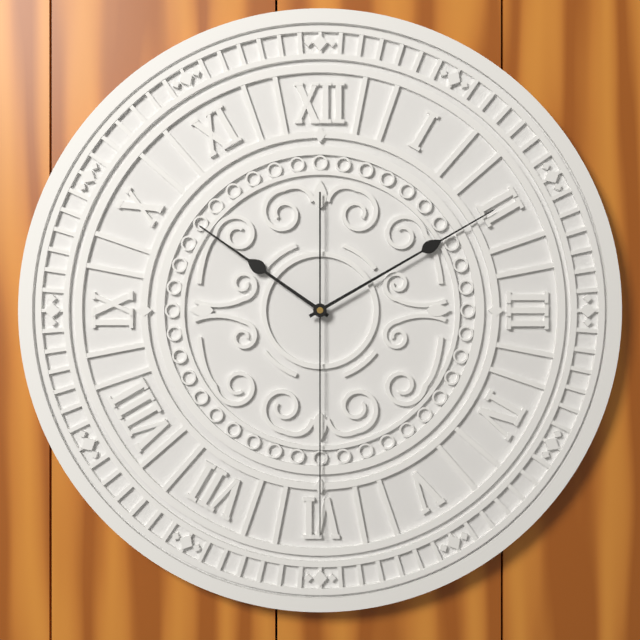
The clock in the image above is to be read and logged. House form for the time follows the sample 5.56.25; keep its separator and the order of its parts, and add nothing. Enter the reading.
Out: 10.10.30
